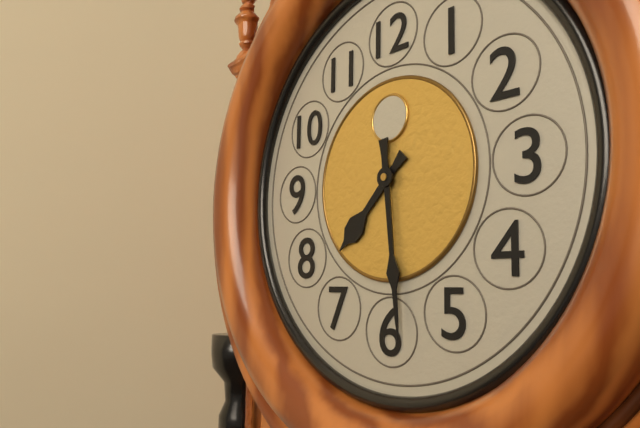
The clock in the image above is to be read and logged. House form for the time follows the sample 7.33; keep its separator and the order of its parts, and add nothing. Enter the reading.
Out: 7.29
